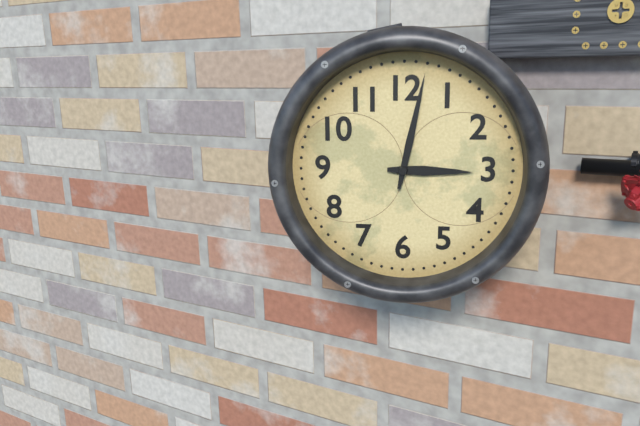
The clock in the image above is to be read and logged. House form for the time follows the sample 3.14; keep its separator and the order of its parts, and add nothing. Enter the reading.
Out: 3.02
